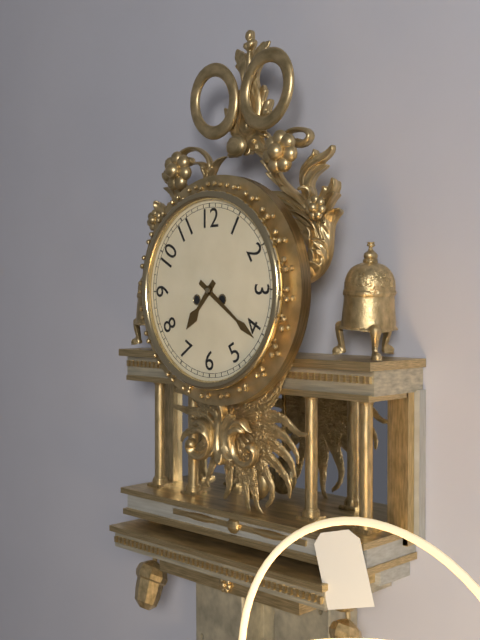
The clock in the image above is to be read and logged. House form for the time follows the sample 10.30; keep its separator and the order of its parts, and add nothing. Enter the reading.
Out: 7.21
